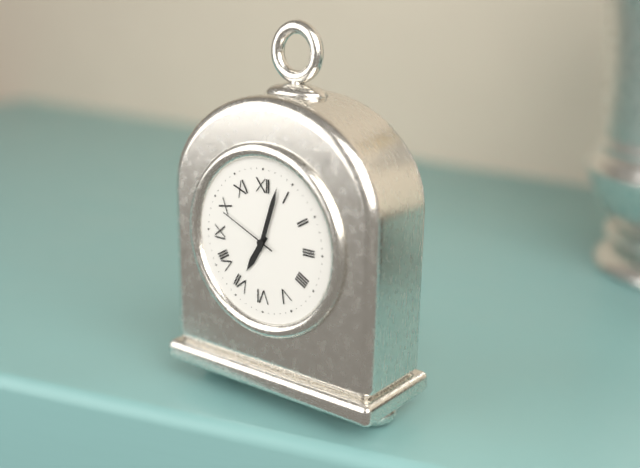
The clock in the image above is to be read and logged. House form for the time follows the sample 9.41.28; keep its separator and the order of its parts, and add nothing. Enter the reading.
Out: 7.03.49
